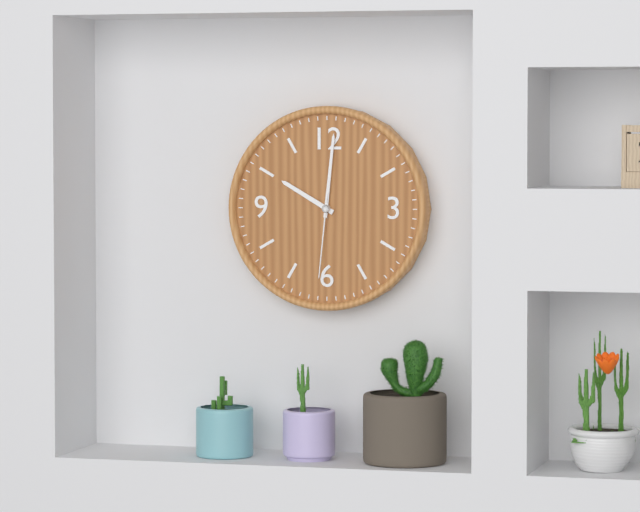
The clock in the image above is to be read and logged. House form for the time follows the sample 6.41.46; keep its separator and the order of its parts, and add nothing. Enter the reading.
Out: 10.01.31
